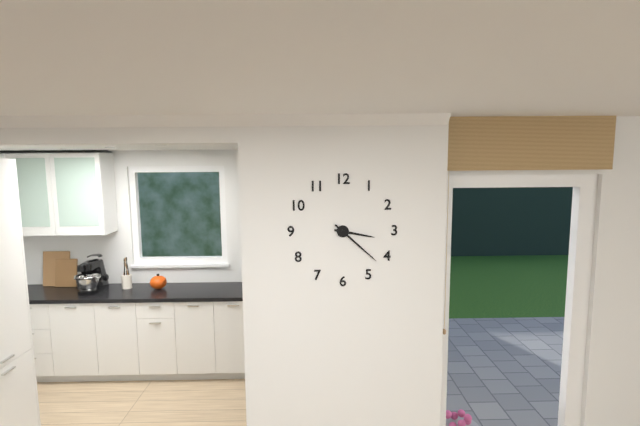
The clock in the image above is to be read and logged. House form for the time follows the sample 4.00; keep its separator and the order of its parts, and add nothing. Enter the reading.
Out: 3.22
